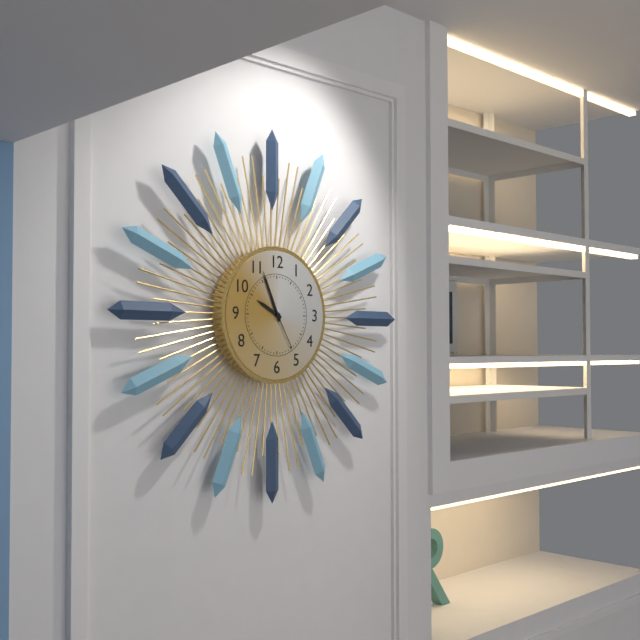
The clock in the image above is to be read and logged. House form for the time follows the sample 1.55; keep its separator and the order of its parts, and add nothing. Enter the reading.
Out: 9.56
